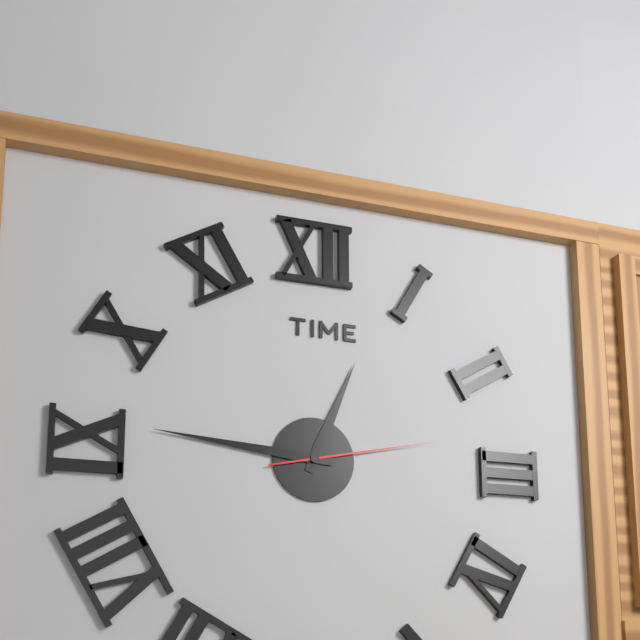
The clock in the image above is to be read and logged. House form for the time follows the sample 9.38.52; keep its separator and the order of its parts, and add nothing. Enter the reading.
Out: 12.46.13
